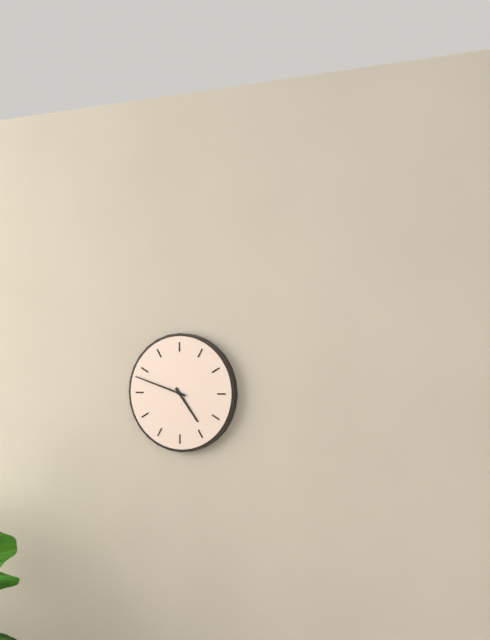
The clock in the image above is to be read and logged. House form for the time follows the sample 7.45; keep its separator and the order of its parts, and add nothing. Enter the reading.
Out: 4.48
